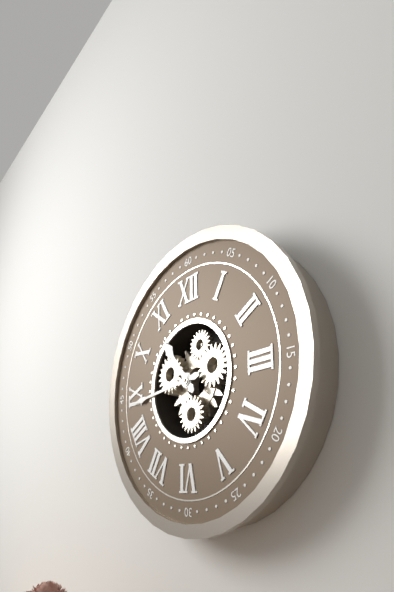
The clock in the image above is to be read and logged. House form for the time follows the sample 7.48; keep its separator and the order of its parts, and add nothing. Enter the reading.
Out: 10.44
